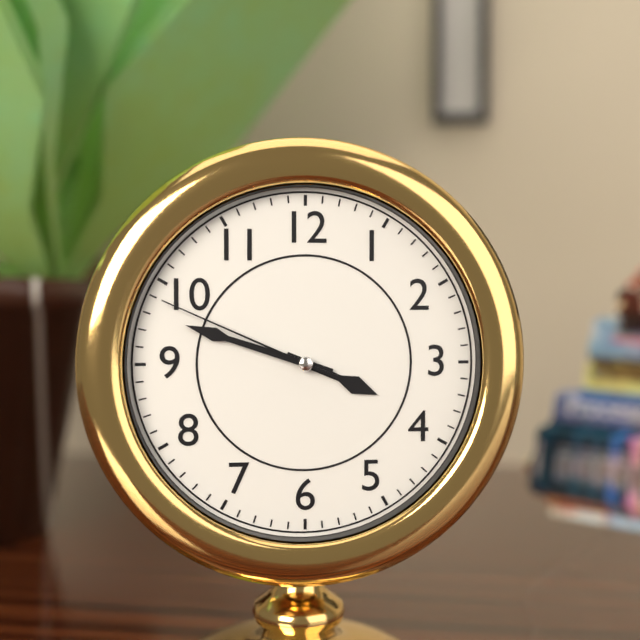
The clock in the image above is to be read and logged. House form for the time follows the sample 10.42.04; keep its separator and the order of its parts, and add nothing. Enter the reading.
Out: 3.48.49
